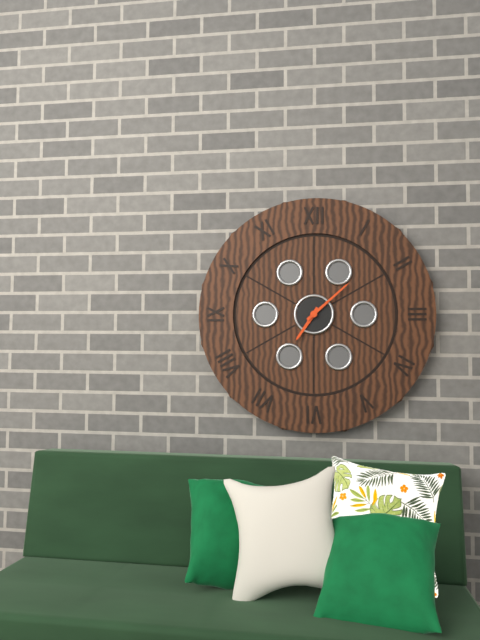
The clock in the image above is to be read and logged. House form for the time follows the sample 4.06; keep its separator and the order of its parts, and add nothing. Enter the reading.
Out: 7.08
